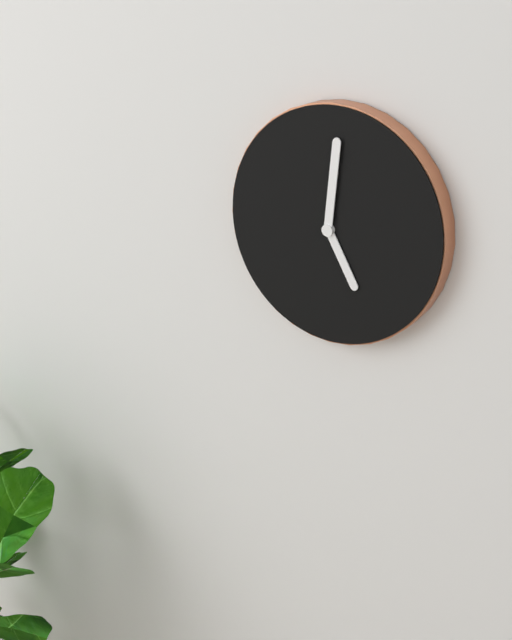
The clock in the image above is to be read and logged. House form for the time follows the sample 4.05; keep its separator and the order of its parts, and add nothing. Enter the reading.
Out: 5.01
